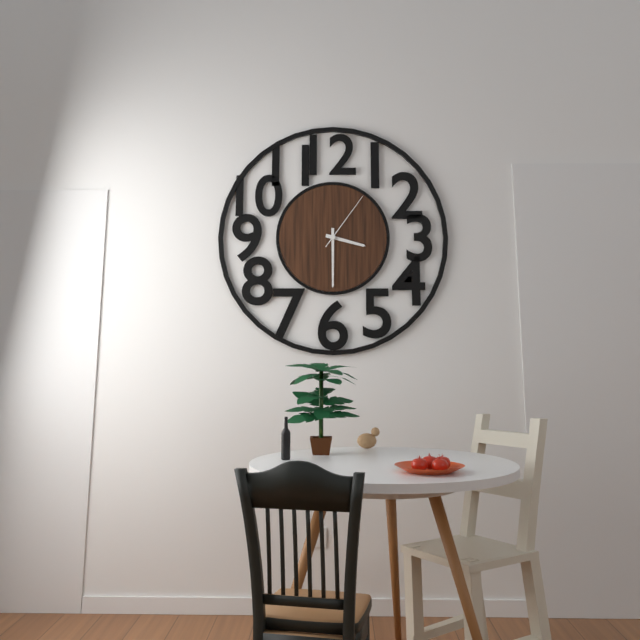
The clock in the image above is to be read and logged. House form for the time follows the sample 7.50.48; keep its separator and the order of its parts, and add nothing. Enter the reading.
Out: 3.30.06
